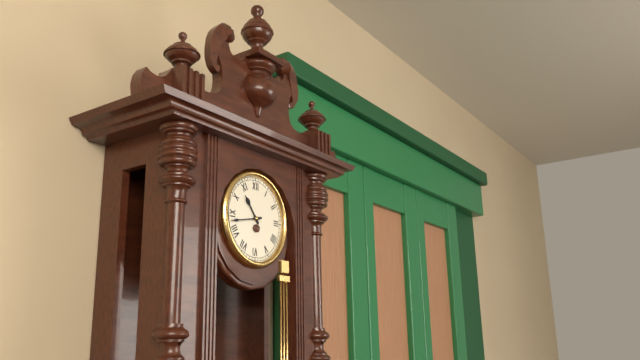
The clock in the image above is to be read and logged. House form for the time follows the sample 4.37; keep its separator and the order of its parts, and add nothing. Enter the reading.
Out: 10.43
